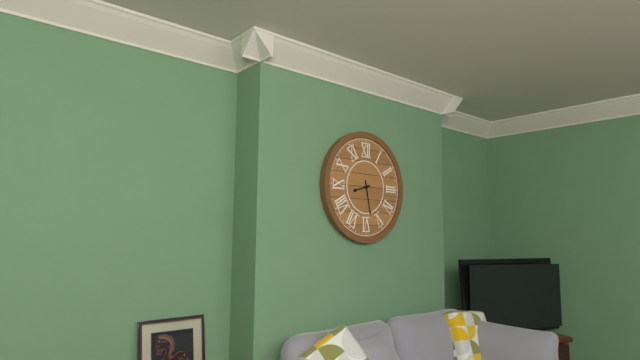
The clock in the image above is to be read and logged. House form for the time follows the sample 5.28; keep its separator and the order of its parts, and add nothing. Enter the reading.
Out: 8.28
